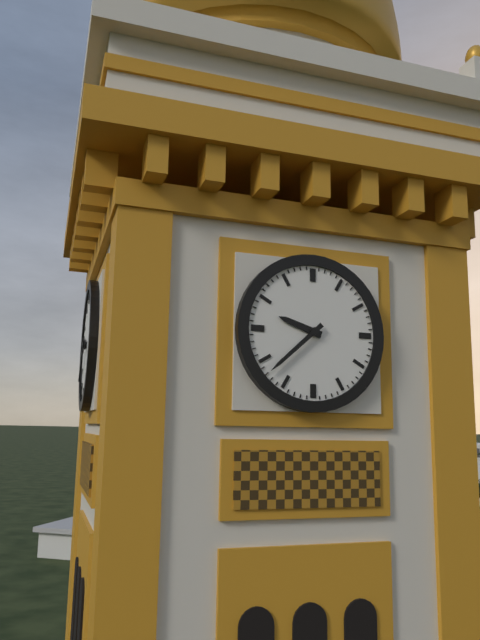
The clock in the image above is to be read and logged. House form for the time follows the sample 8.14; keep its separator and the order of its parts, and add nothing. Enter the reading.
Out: 9.38
